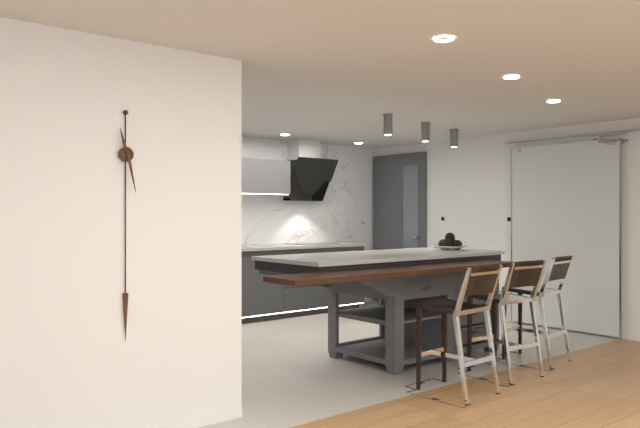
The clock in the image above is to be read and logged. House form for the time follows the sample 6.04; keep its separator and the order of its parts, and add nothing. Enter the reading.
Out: 11.28
